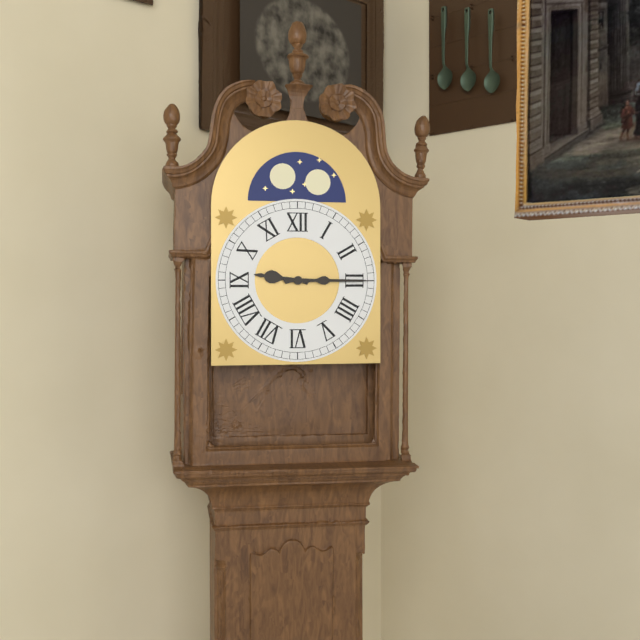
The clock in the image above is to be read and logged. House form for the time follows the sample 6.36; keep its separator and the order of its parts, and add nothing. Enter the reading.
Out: 9.15
